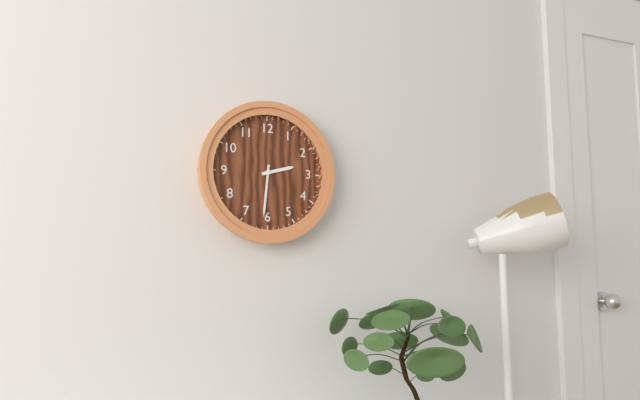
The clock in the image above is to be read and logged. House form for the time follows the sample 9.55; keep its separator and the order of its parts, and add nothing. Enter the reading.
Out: 2.31
